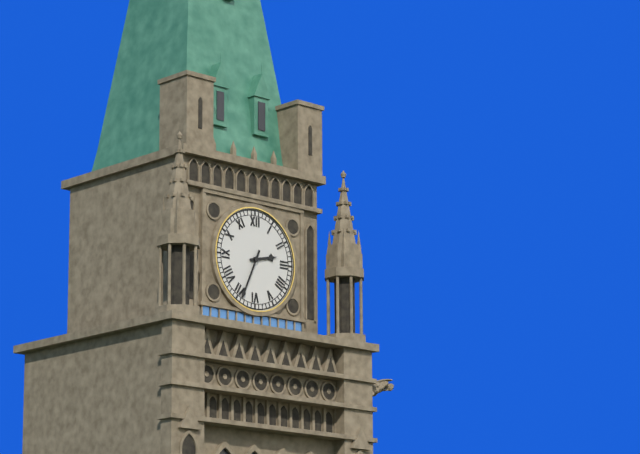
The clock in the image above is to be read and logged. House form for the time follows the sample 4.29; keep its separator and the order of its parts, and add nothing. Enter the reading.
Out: 2.34
